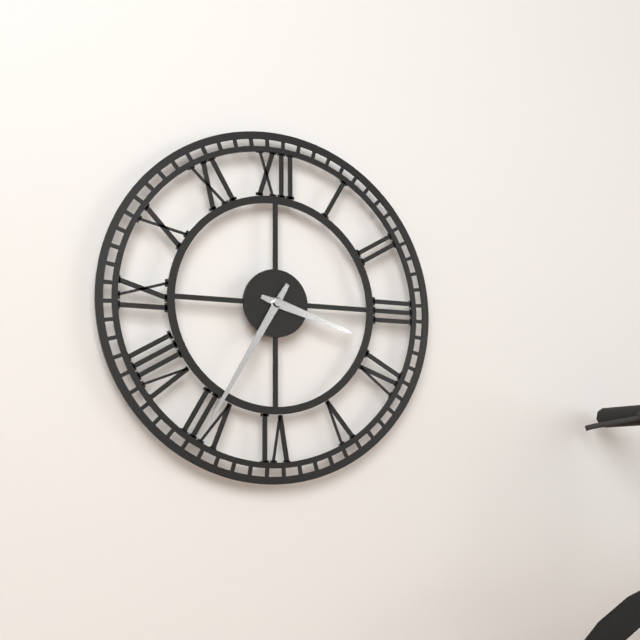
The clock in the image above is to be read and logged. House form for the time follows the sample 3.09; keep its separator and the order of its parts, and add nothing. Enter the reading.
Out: 3.35
